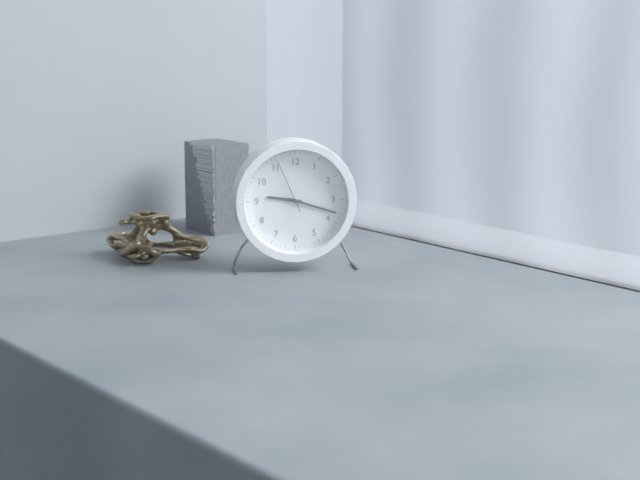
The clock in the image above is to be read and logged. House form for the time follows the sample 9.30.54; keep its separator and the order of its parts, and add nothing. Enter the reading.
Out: 9.18.56
